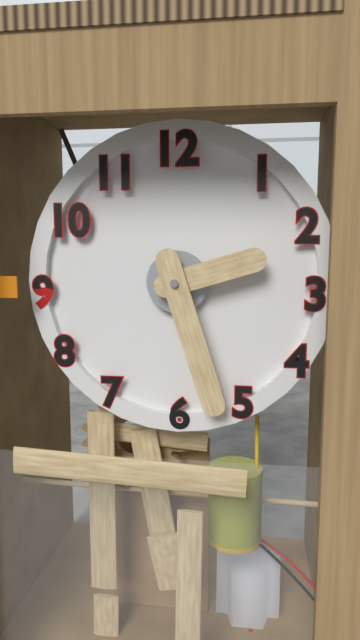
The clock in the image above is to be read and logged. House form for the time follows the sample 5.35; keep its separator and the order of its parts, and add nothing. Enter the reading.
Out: 2.27
